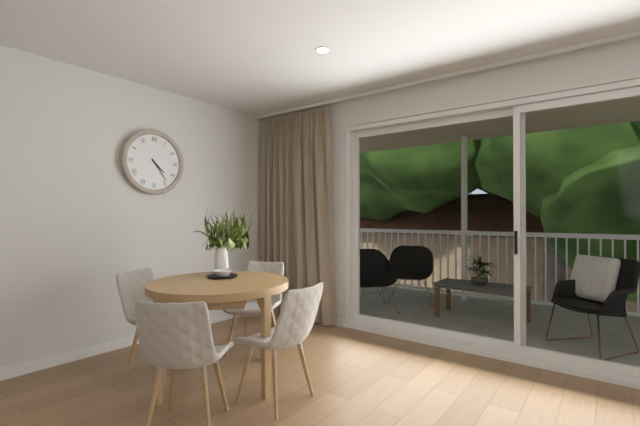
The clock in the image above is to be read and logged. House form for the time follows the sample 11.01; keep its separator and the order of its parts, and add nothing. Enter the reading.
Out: 4.24
